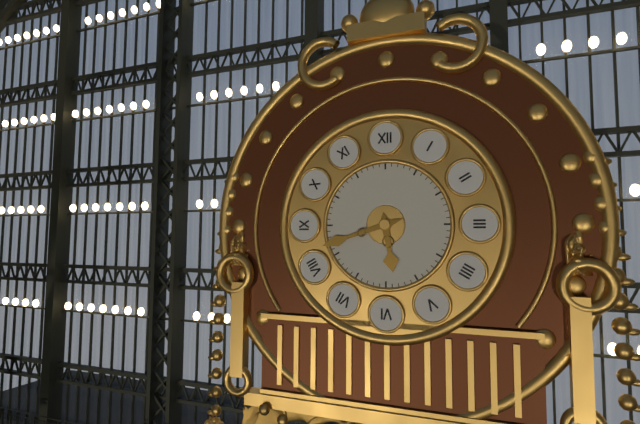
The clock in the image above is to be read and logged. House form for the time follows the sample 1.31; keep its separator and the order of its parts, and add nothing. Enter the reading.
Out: 5.42
